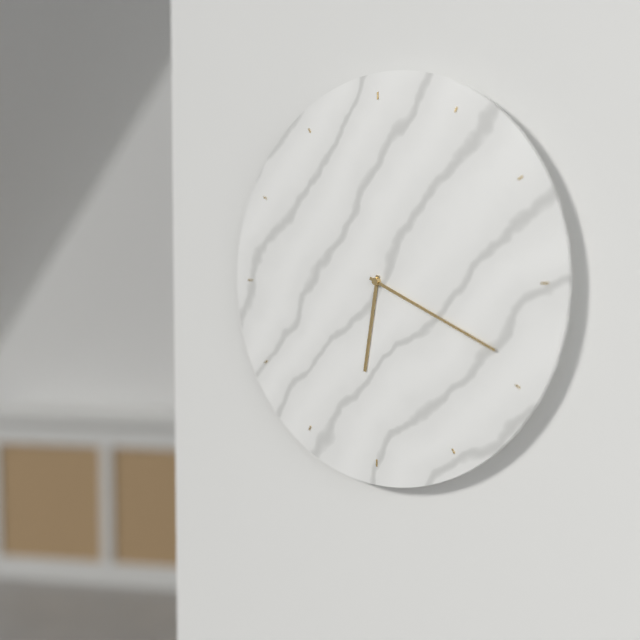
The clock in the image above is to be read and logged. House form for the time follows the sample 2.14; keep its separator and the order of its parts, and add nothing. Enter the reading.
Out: 6.19
